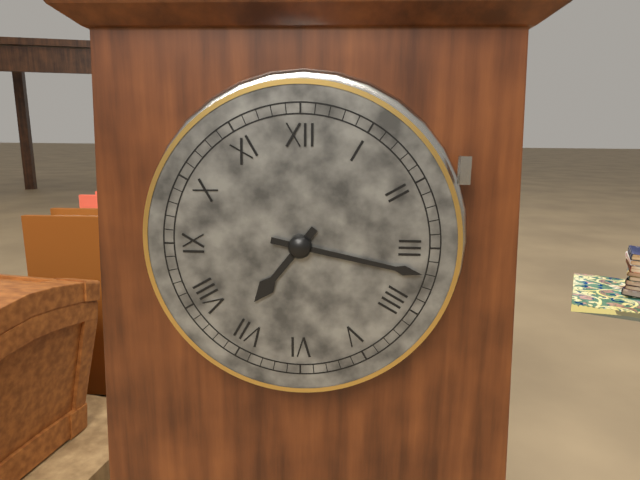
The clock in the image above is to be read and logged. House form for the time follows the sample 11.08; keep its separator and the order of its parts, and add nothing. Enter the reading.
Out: 7.17
